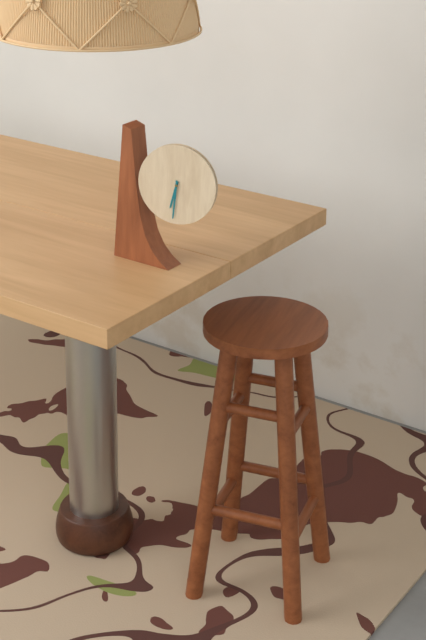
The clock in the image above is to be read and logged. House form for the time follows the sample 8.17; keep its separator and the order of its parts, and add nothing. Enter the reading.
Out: 6.31
